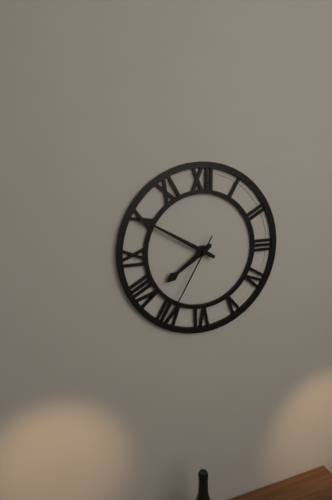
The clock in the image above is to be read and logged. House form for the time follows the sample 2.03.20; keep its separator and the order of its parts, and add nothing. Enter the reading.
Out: 7.50.35
